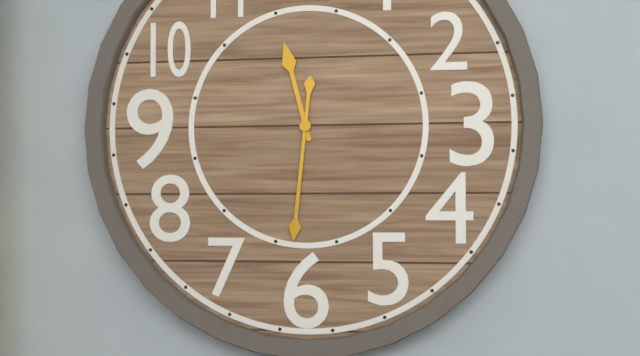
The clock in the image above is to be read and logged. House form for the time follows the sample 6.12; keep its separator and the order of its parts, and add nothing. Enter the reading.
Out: 11.31
